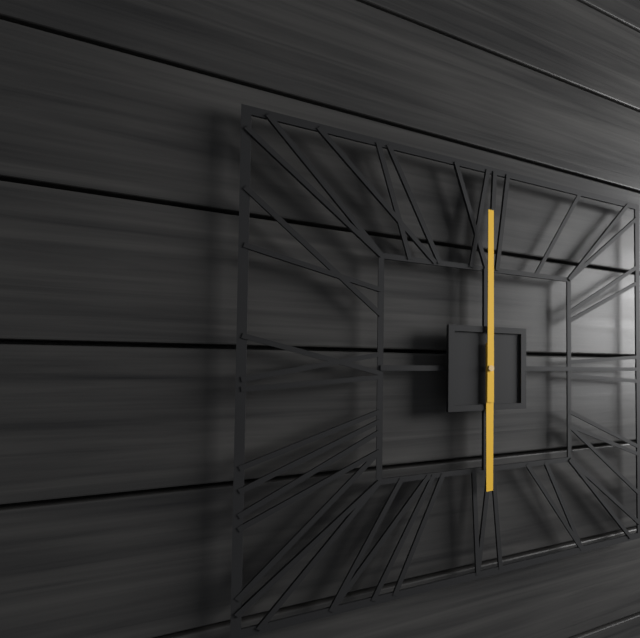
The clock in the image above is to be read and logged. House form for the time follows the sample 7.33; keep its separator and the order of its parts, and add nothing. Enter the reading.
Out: 6.00
